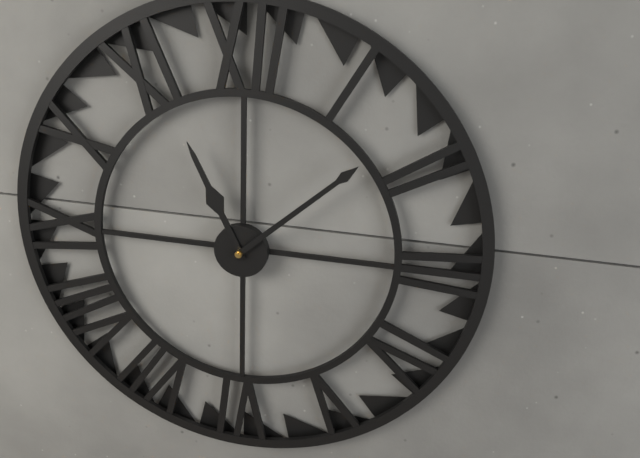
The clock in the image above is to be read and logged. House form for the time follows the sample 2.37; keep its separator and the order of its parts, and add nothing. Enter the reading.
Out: 11.08
